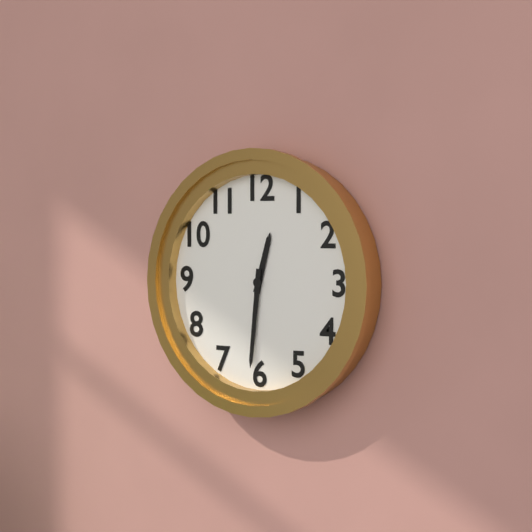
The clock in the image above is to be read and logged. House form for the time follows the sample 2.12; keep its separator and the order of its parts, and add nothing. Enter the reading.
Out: 12.31
